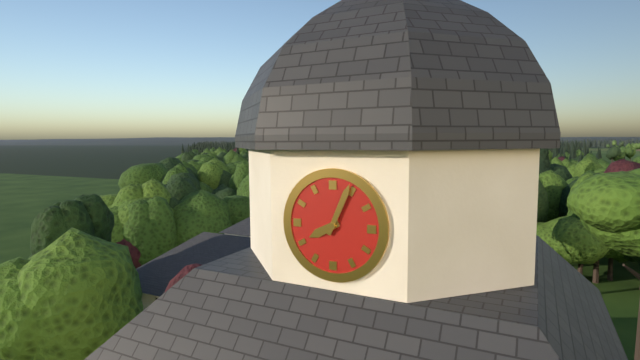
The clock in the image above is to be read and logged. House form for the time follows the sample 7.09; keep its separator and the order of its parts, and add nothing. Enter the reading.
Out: 8.04
